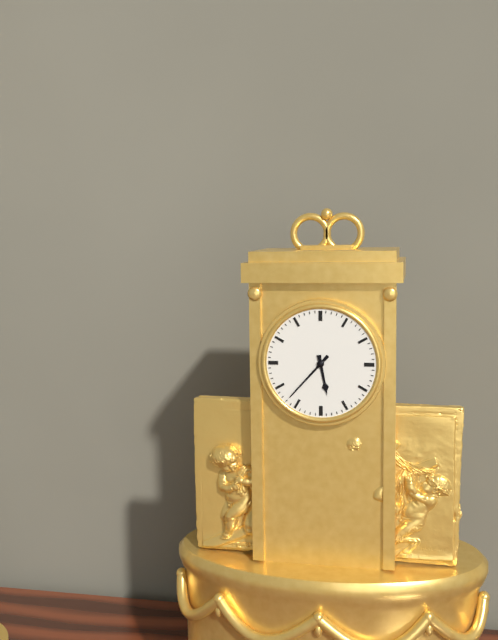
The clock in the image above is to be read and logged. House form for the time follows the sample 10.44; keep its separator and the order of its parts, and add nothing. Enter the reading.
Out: 5.37
